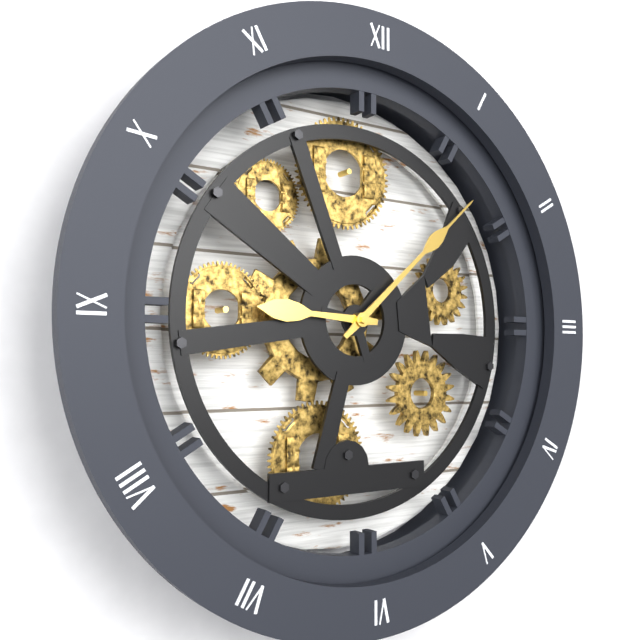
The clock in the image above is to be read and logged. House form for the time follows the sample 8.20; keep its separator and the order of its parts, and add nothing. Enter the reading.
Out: 9.08
